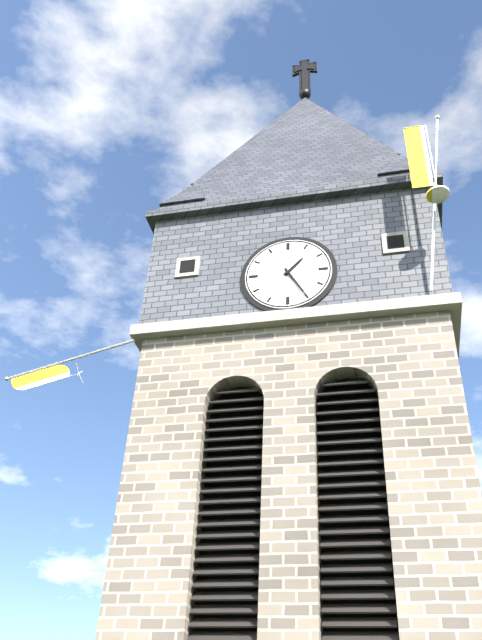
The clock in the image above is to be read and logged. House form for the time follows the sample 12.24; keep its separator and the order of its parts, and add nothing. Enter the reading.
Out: 1.25
